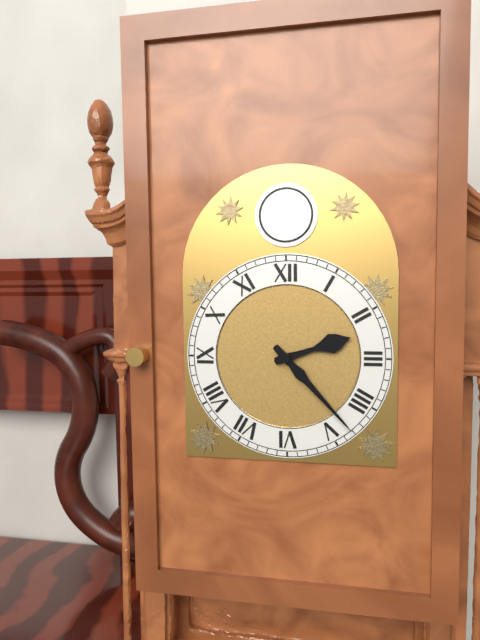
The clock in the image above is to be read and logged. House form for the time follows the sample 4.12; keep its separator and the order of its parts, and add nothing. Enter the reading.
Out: 2.23
